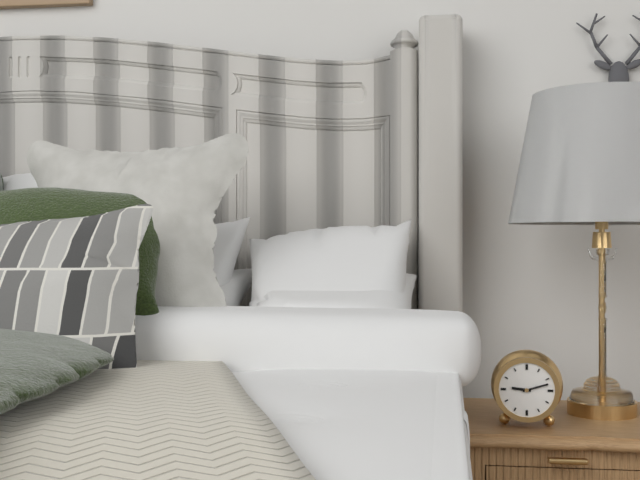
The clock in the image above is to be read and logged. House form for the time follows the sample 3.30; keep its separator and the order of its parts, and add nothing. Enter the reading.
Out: 9.12
